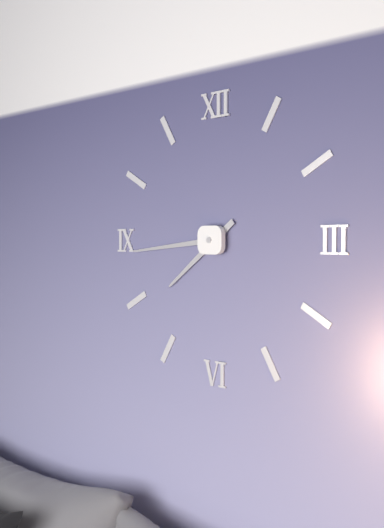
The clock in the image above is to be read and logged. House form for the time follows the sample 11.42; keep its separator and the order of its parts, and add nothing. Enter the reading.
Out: 7.44
